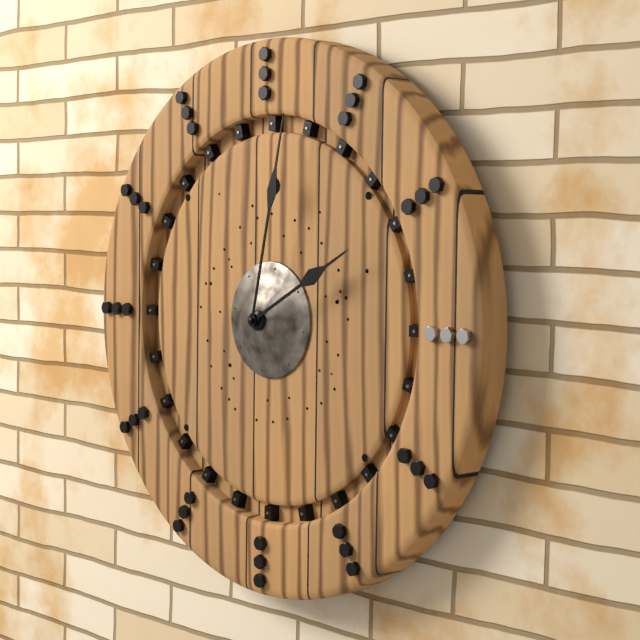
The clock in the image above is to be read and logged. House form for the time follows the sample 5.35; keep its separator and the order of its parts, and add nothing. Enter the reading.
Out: 2.02
